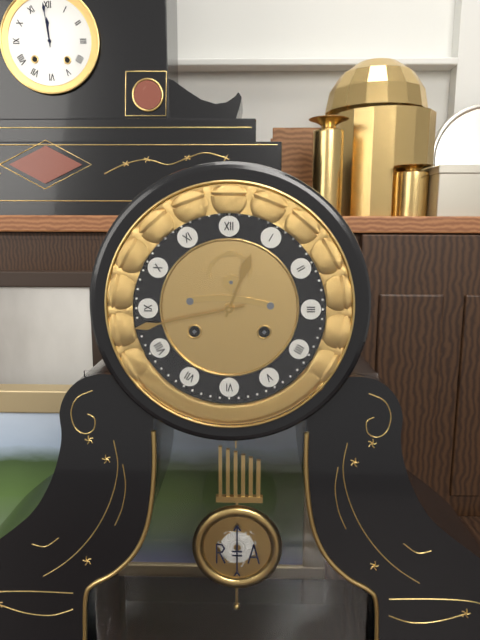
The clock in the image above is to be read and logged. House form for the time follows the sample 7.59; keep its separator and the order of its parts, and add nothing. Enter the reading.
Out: 12.43
